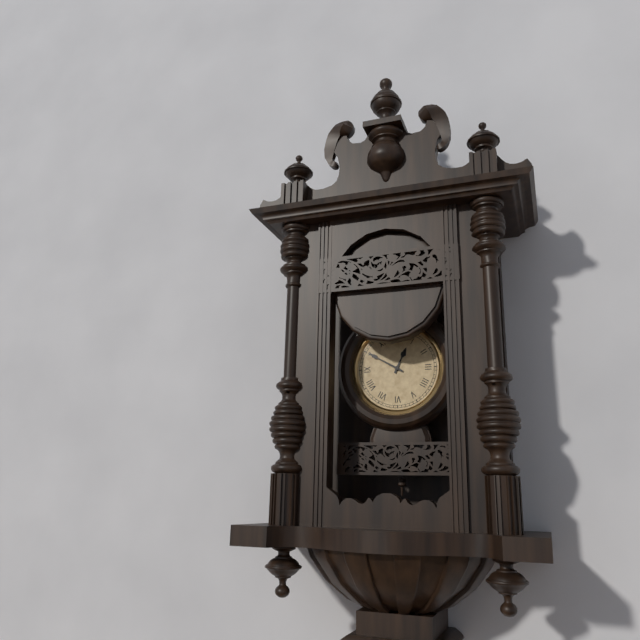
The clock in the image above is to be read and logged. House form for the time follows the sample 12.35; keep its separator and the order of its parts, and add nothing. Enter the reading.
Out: 12.50
